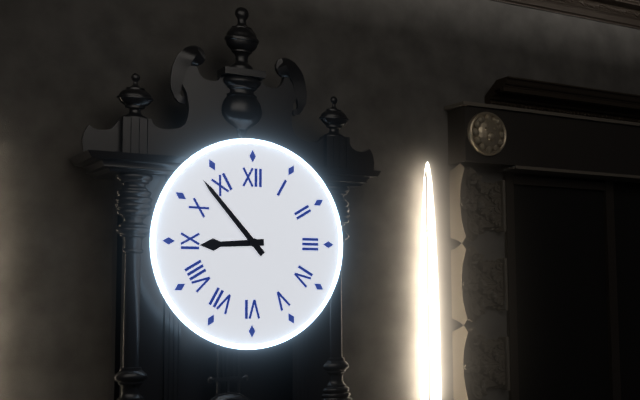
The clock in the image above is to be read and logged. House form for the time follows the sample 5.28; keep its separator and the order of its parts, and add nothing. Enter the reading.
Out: 8.53
